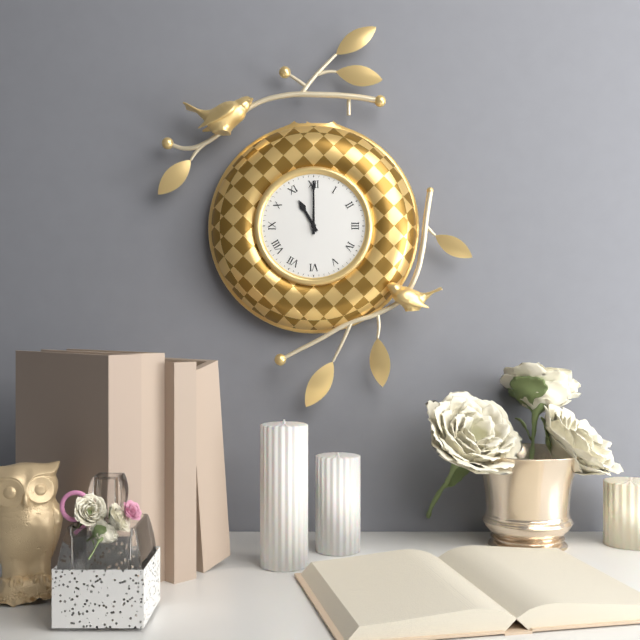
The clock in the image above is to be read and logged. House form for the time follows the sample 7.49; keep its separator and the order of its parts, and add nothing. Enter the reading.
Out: 11.00
